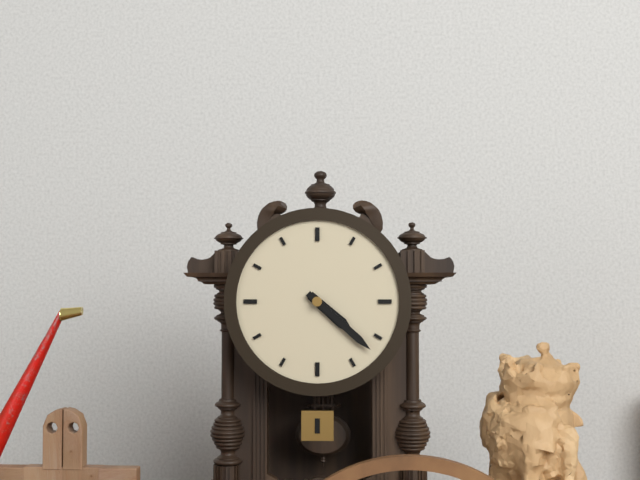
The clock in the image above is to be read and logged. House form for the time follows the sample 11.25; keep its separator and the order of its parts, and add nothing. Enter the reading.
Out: 4.22
